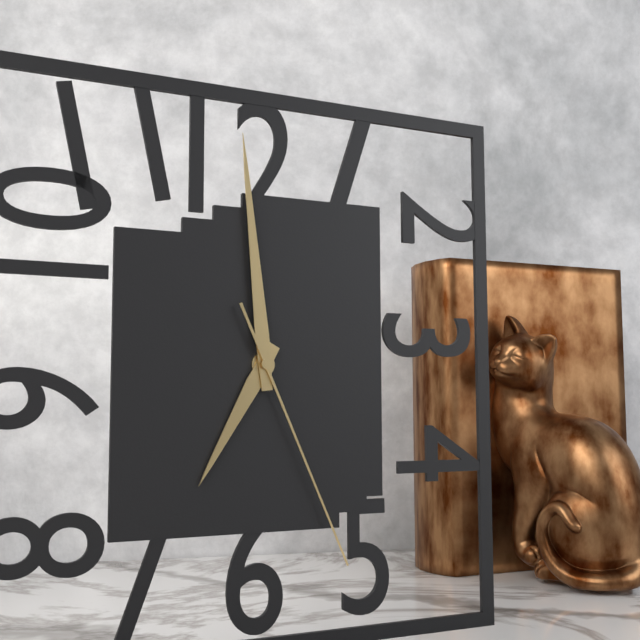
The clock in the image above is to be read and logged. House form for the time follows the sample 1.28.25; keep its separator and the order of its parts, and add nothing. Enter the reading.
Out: 6.59.26
